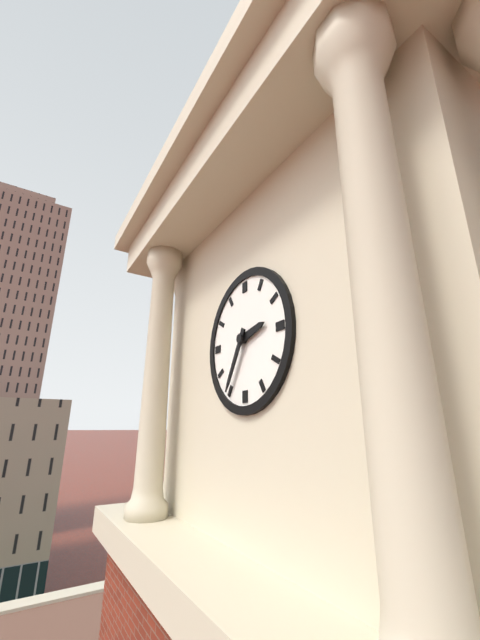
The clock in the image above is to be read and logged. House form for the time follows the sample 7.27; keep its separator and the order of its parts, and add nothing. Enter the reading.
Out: 2.35
